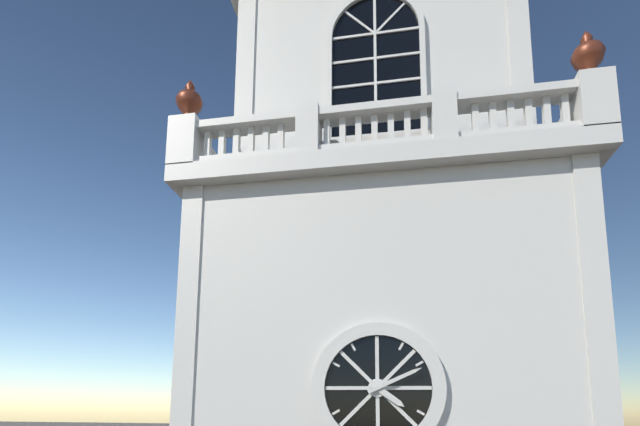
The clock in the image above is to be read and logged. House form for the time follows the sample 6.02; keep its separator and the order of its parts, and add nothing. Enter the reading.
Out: 4.11
